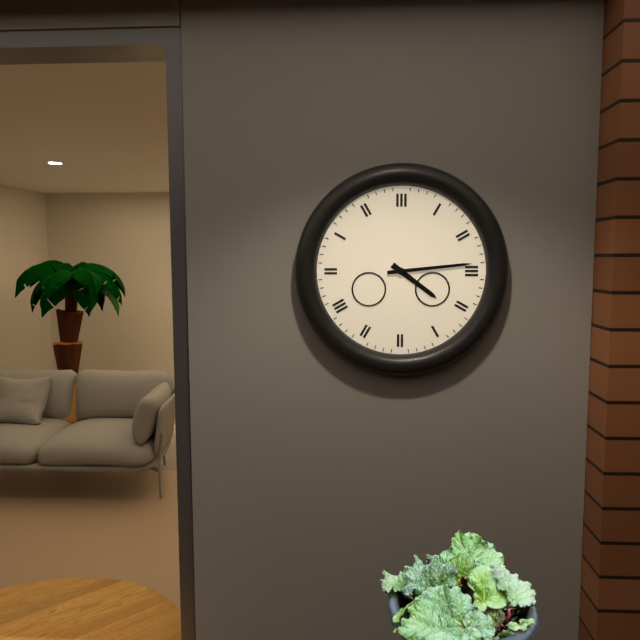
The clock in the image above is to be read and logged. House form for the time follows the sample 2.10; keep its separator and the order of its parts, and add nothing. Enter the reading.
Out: 4.14
